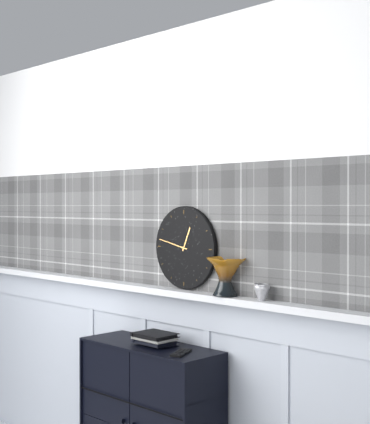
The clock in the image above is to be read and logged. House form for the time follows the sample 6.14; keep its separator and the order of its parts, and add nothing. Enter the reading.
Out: 12.47
